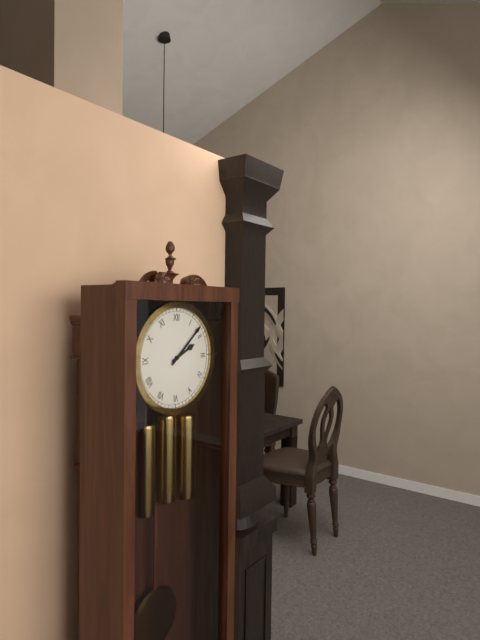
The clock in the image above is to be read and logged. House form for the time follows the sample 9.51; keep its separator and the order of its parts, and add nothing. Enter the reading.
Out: 2.08
